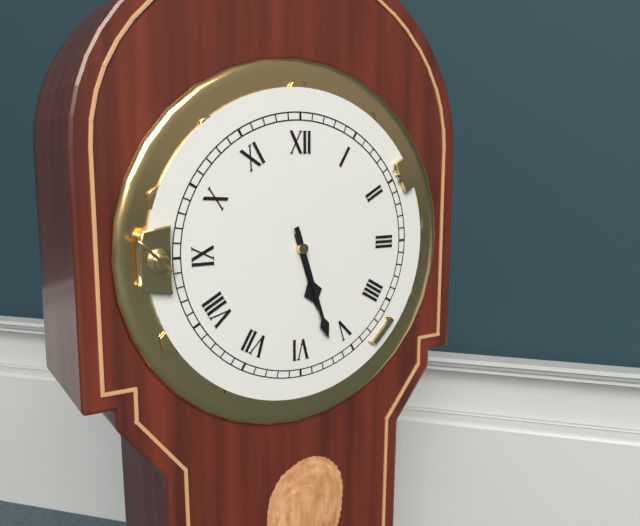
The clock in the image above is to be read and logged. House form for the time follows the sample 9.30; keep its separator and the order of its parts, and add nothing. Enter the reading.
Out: 5.27
